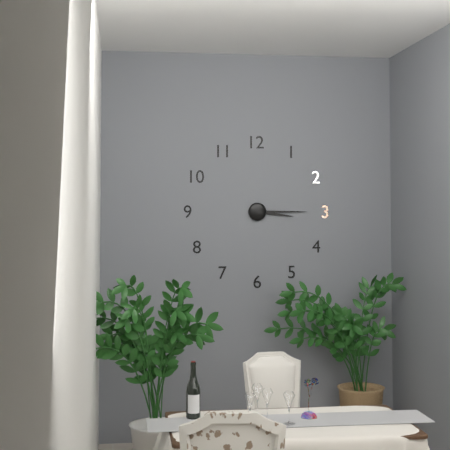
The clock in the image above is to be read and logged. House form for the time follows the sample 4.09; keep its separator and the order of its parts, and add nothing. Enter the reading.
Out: 3.15
